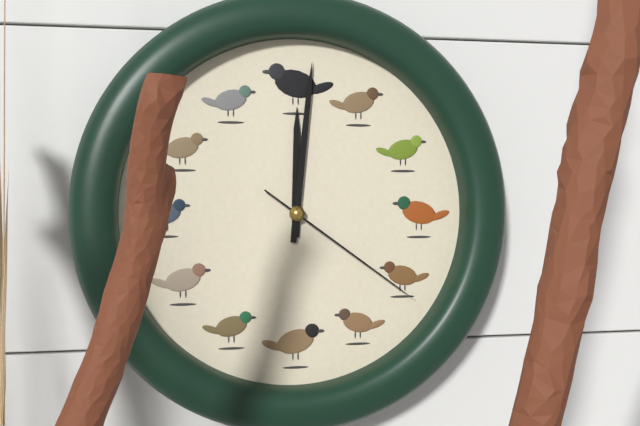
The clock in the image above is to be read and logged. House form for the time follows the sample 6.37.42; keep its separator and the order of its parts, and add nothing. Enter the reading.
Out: 12.01.21
